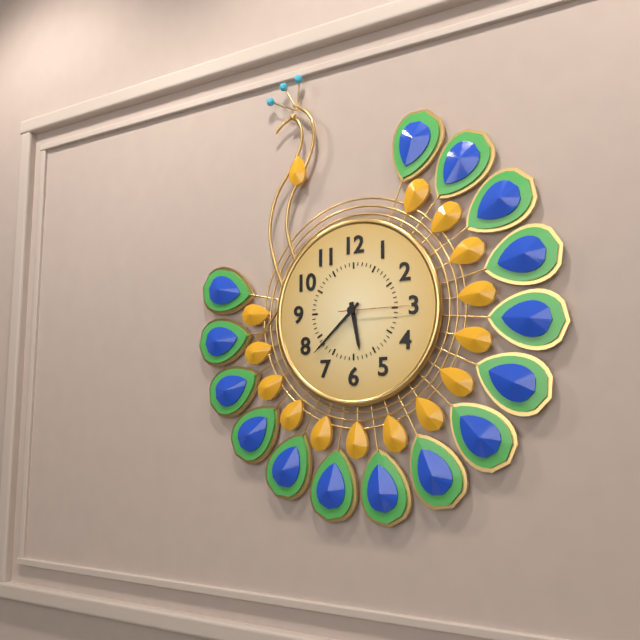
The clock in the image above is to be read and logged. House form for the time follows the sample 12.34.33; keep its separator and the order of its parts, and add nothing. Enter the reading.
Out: 5.38.15
